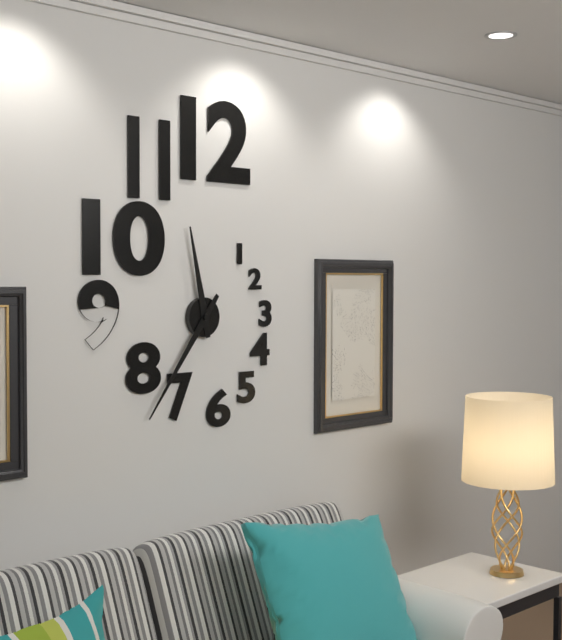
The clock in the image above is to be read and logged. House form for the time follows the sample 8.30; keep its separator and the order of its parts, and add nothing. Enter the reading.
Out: 11.36
